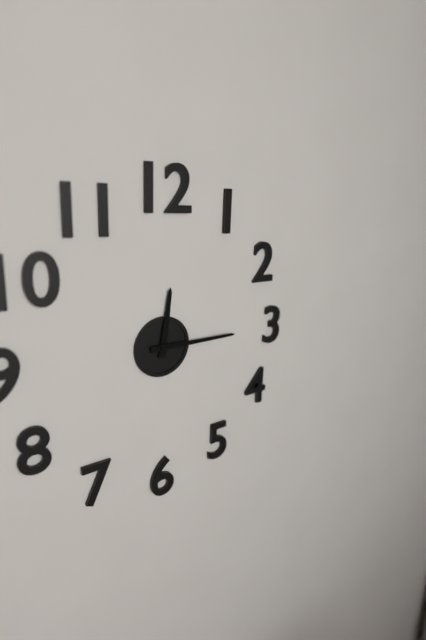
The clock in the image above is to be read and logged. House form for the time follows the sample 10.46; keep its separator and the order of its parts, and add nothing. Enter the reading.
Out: 12.15
